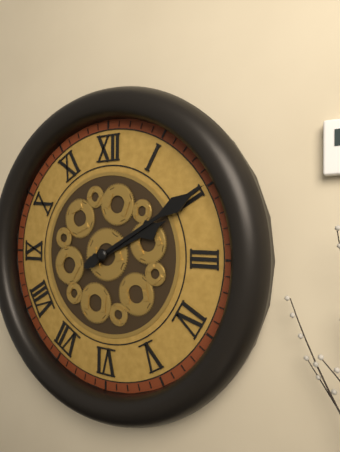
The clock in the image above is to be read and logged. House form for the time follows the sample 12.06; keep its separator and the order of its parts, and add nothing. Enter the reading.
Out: 2.10
